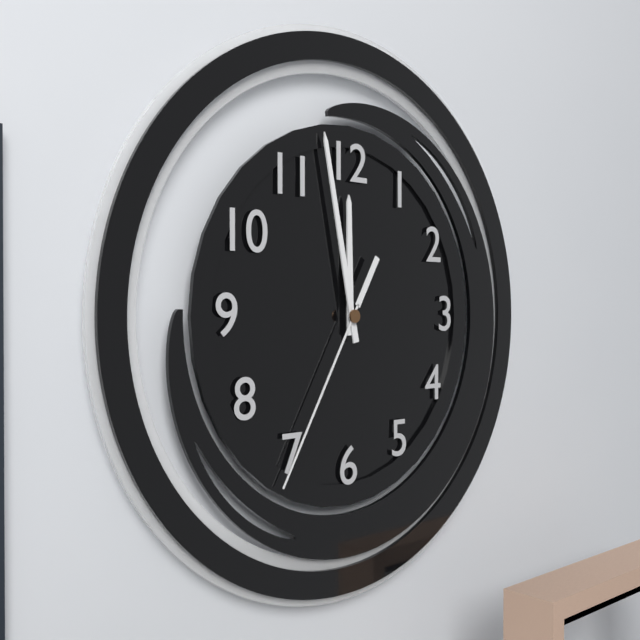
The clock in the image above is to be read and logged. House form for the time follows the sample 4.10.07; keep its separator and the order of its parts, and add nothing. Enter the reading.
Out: 11.58.35
